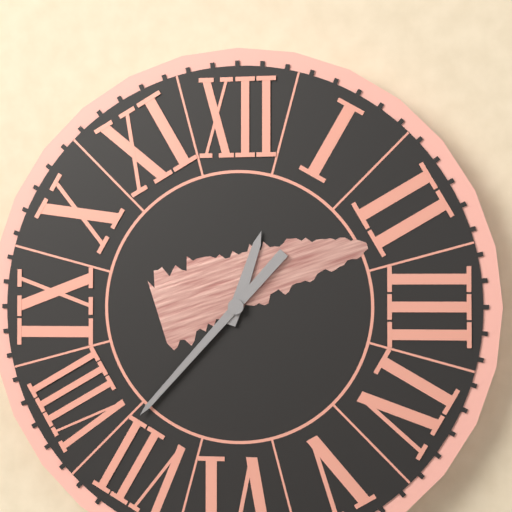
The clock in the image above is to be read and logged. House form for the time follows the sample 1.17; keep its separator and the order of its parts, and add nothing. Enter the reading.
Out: 12.37
